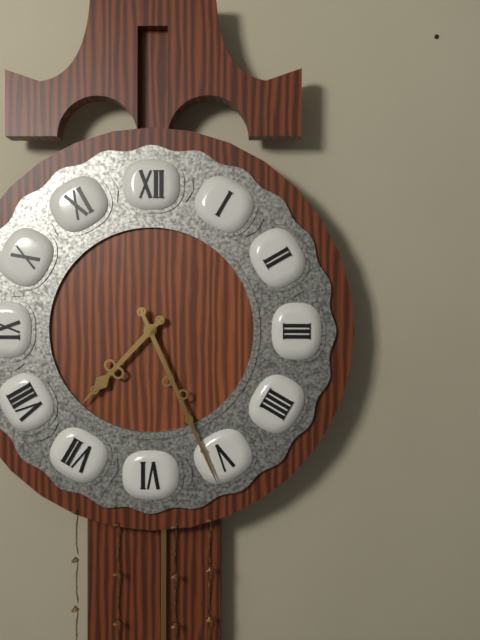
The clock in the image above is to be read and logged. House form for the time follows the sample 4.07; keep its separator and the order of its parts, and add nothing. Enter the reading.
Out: 7.26
